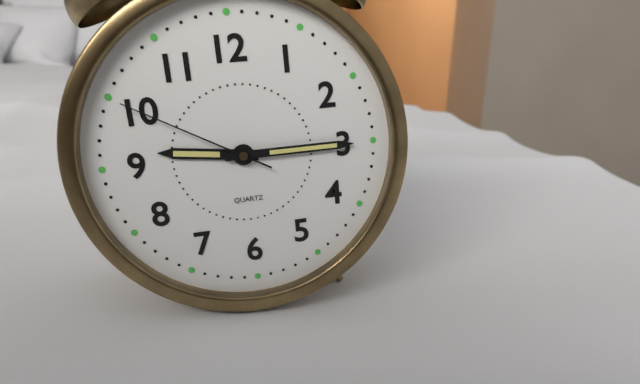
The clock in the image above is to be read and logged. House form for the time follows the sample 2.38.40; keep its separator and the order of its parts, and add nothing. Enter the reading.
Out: 9.15.50
